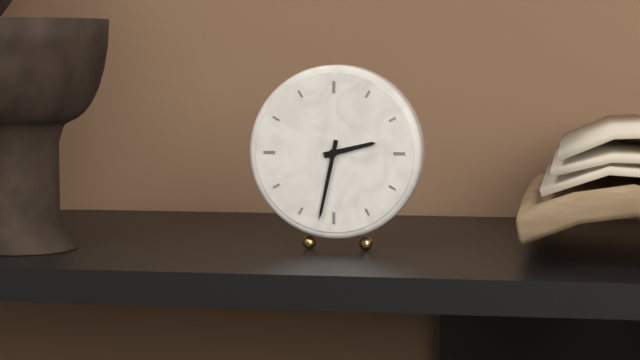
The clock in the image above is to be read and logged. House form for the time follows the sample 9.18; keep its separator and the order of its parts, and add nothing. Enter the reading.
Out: 2.32
